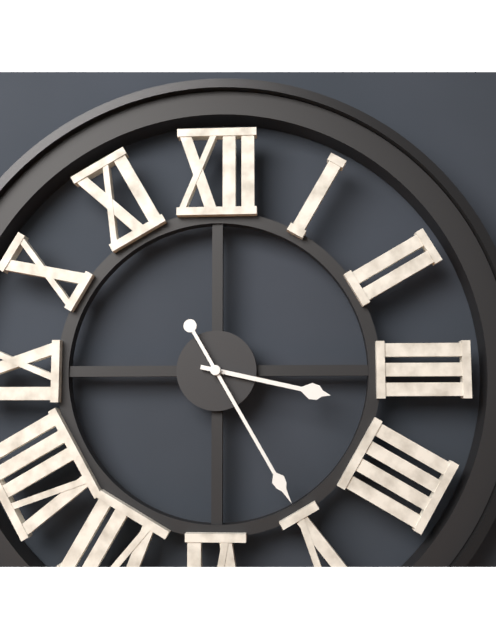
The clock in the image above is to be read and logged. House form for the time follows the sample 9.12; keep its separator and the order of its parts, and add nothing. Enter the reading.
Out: 3.25
